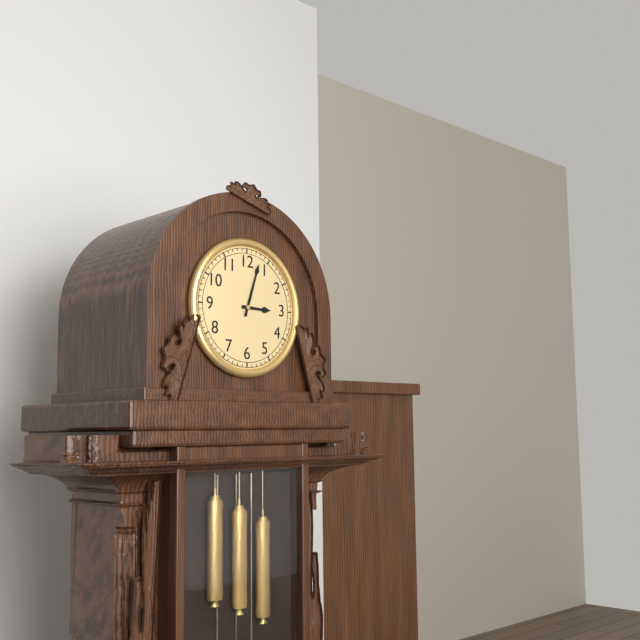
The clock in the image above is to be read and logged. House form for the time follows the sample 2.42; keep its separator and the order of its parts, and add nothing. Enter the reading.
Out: 3.03
